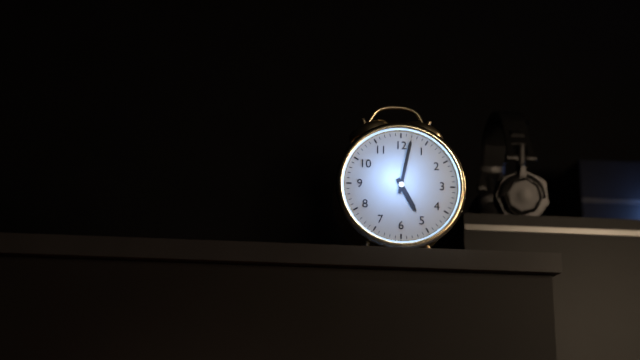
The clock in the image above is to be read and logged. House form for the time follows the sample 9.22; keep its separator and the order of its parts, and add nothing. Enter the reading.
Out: 5.02
